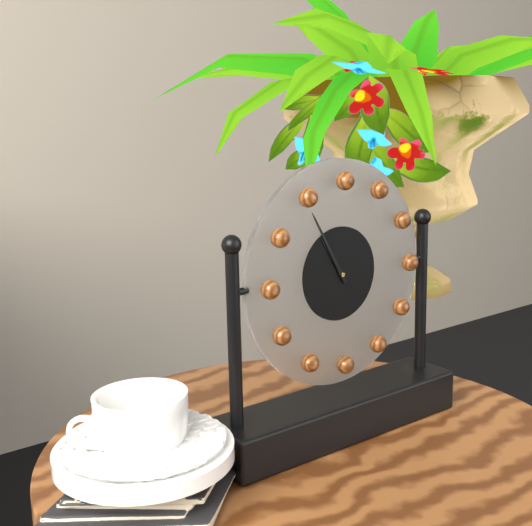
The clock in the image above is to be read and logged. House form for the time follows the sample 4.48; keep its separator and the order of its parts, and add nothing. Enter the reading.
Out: 10.55
